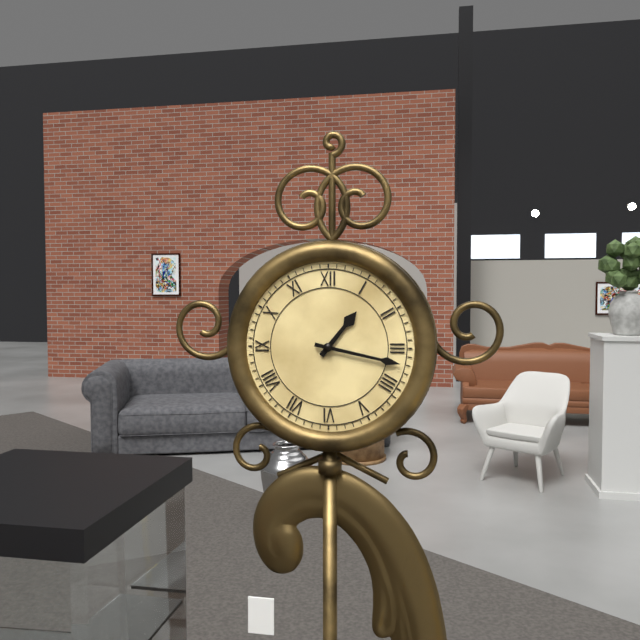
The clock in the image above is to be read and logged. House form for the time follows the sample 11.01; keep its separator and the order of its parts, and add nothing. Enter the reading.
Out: 1.17
